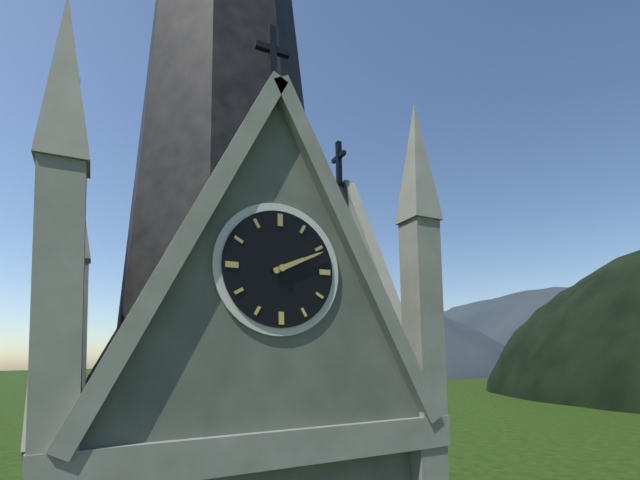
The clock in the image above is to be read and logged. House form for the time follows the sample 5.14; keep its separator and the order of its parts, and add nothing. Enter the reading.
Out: 2.11
